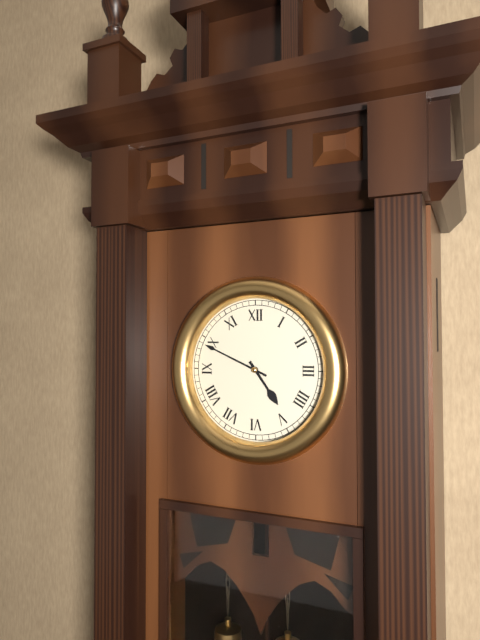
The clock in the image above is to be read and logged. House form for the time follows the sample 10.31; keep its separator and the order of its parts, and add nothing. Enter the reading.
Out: 4.49
